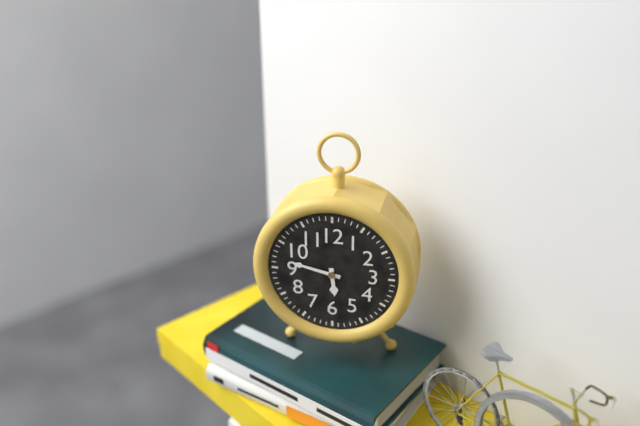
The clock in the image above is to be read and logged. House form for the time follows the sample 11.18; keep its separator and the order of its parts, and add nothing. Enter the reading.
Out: 5.47
